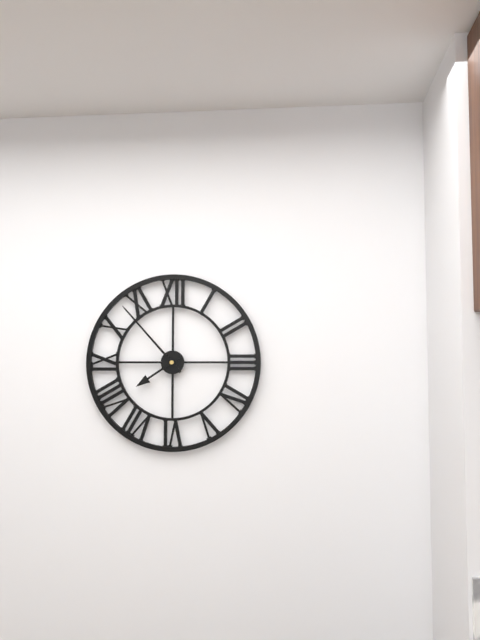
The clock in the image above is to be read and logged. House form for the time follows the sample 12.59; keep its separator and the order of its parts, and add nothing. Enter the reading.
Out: 7.53
